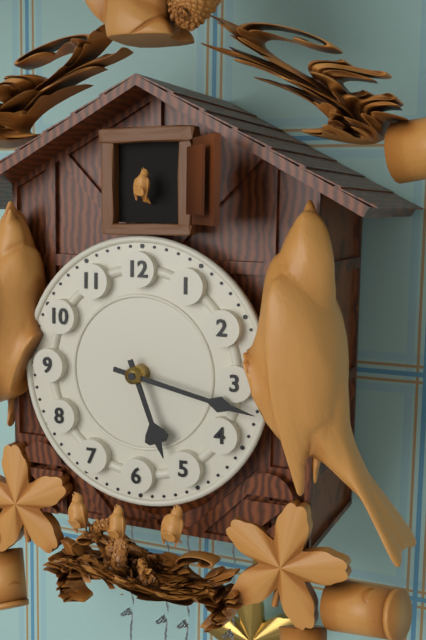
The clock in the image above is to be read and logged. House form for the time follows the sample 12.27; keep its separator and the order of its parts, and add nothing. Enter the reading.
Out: 5.17
